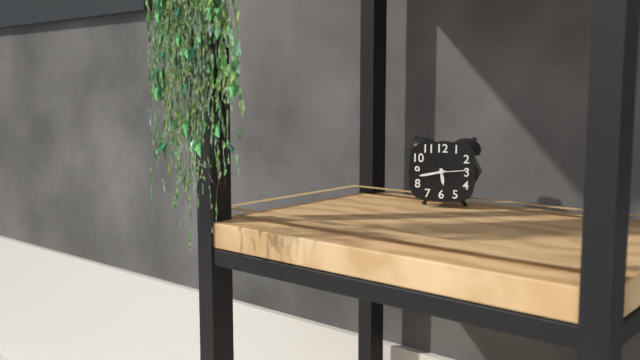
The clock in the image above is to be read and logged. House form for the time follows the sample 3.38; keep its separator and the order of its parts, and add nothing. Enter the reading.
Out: 5.43
